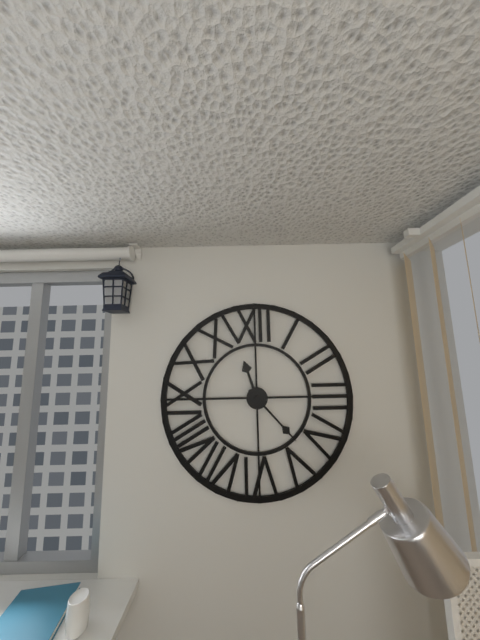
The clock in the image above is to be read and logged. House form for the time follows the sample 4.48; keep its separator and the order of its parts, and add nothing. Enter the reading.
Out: 11.23
